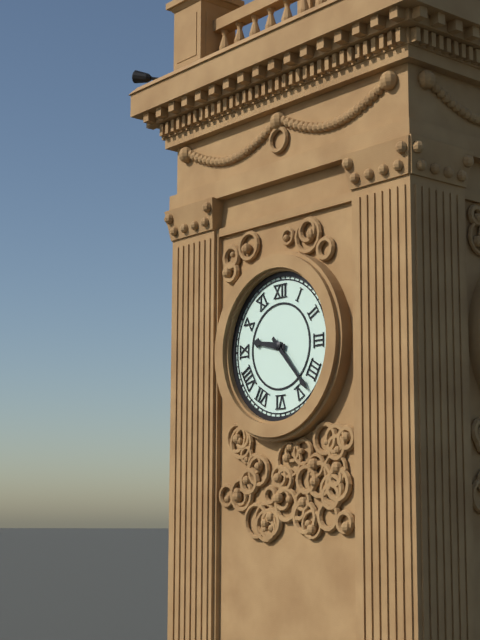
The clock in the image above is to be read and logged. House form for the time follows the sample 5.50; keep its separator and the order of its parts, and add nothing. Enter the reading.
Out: 9.23
